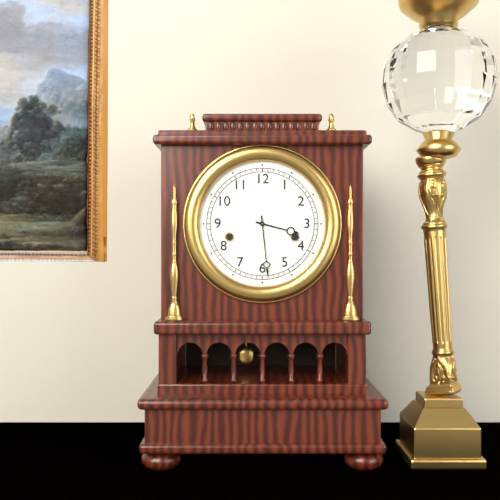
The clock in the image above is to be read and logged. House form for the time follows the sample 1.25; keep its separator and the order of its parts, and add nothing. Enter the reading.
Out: 3.29
